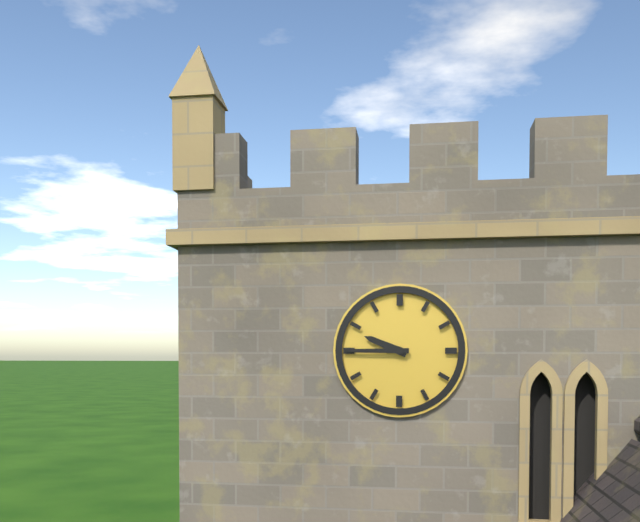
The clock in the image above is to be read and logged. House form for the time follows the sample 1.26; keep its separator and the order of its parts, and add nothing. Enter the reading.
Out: 9.45
